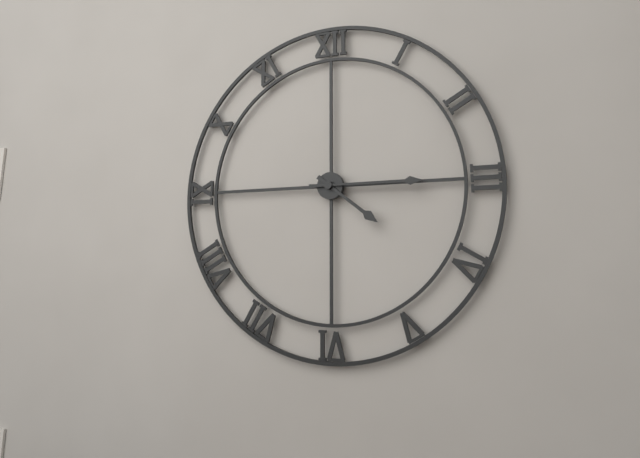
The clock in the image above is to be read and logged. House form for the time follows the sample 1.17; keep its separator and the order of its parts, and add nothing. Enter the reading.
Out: 4.15
